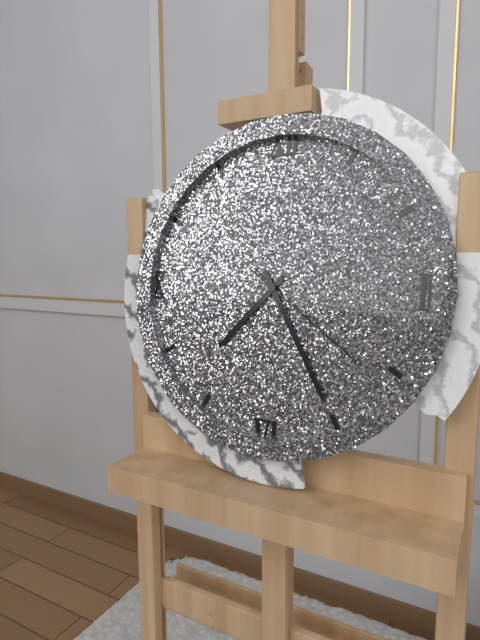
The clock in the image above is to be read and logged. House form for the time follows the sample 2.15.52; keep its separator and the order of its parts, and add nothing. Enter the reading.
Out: 7.25.21
